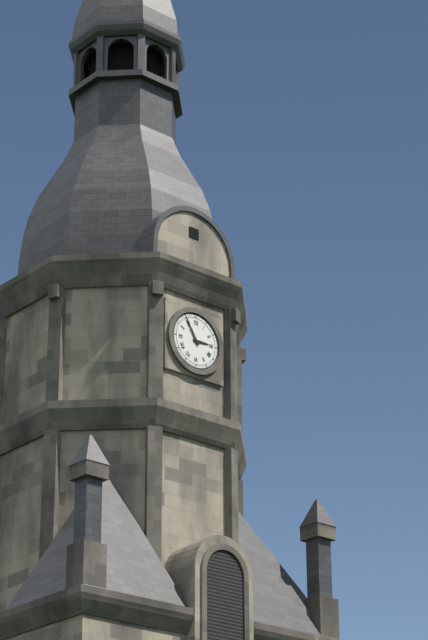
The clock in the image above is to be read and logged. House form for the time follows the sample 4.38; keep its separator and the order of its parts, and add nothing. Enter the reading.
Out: 2.55
